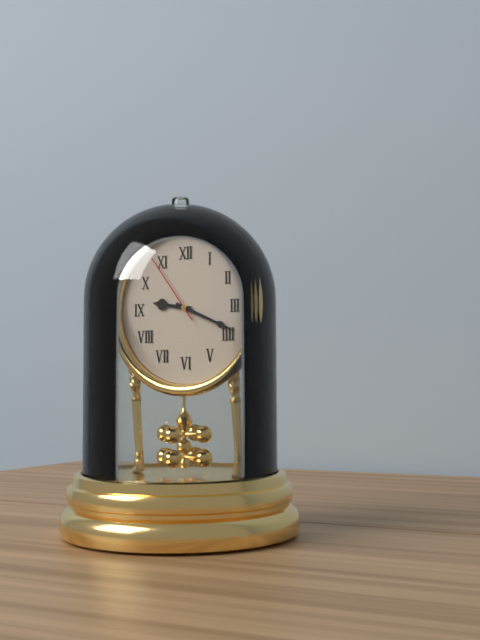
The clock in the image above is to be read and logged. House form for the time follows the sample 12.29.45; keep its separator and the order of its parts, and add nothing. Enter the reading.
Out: 9.19.54
